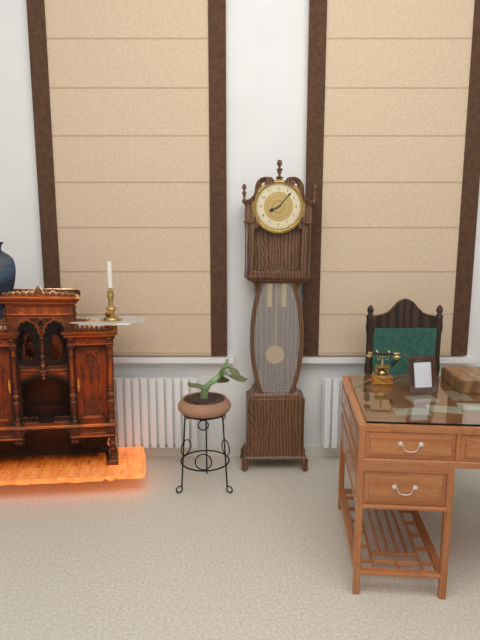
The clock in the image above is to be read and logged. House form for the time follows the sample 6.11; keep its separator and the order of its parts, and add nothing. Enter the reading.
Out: 8.07
